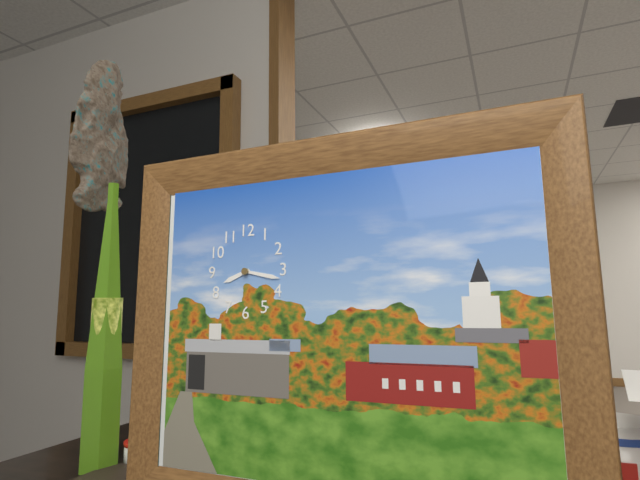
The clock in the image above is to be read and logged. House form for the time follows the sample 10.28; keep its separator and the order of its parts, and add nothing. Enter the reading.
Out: 8.17
